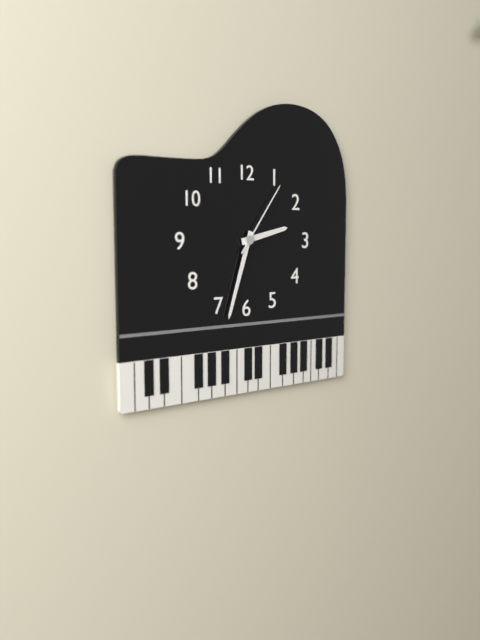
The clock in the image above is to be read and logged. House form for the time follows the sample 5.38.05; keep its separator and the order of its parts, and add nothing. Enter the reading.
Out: 2.33.06
